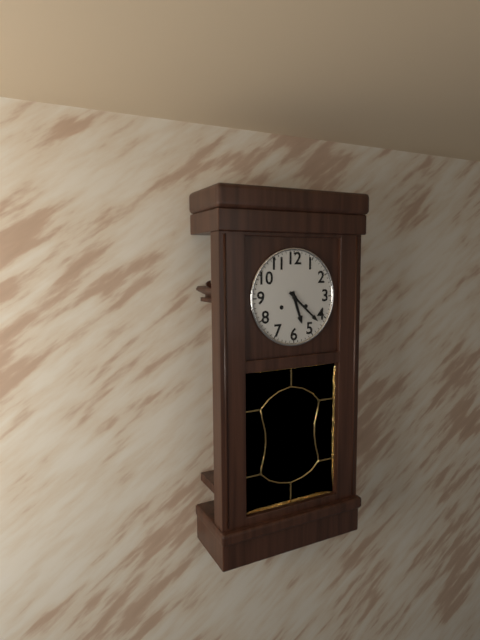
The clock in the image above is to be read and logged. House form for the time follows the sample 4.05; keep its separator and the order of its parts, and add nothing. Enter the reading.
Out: 5.22
